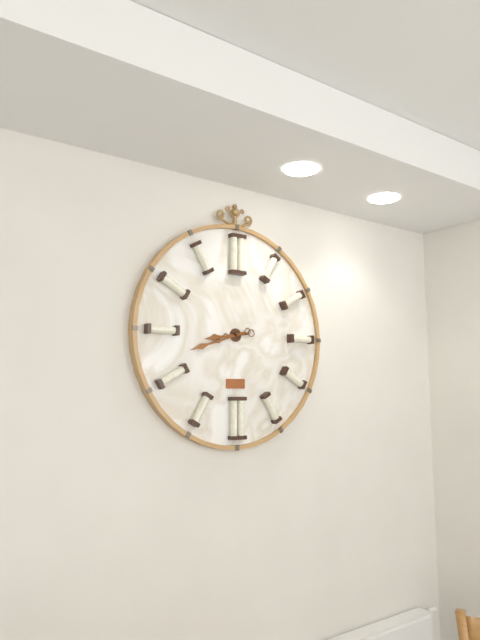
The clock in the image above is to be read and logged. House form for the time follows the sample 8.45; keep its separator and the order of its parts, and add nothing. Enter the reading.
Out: 8.42
